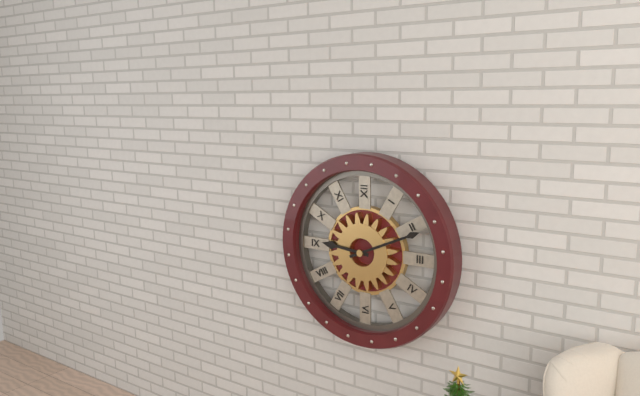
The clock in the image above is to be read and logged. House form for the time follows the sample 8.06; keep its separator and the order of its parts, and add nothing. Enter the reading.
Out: 9.11
